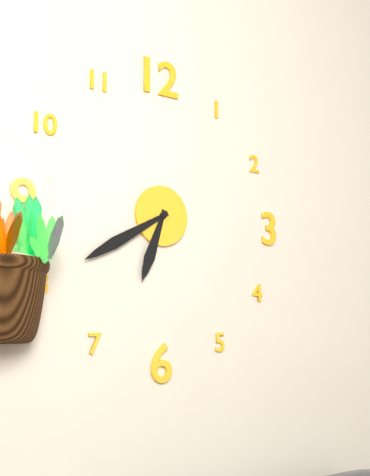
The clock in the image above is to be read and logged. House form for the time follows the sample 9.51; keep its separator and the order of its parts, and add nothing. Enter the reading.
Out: 6.40
